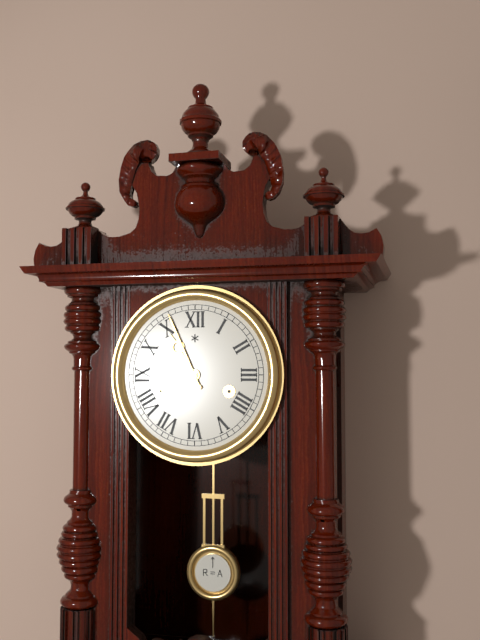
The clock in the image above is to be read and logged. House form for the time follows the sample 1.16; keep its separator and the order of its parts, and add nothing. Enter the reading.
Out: 10.56
